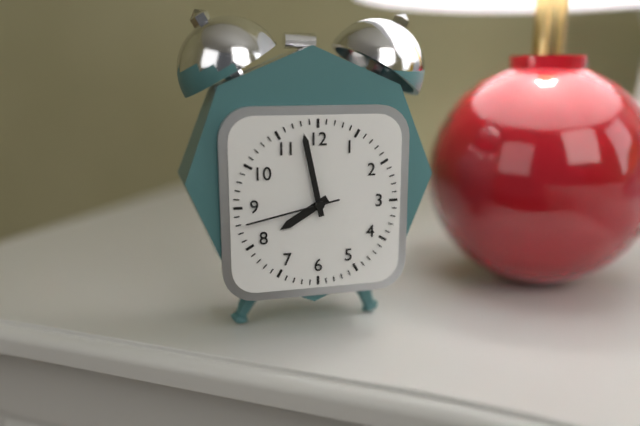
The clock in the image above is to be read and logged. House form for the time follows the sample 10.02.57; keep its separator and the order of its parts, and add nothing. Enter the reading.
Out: 7.58.43
